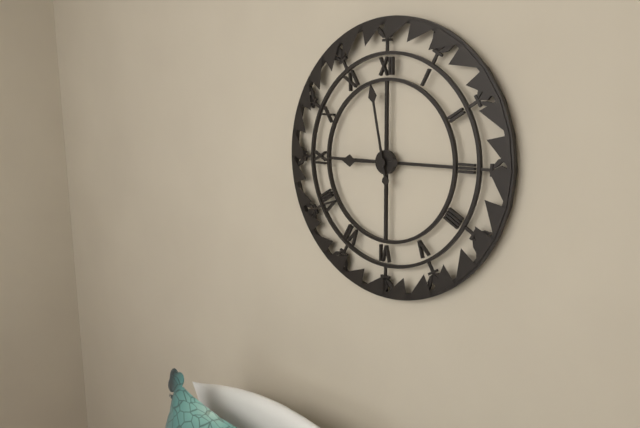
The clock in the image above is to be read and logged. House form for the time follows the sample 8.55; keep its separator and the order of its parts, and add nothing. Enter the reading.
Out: 8.58
